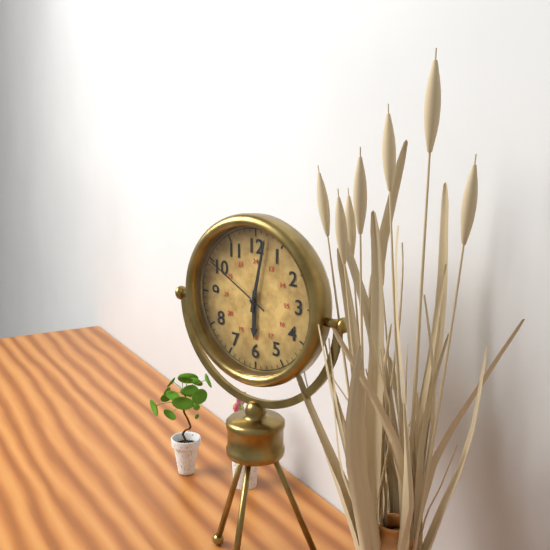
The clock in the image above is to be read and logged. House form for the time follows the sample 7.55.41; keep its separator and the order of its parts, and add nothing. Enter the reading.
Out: 6.02.50
